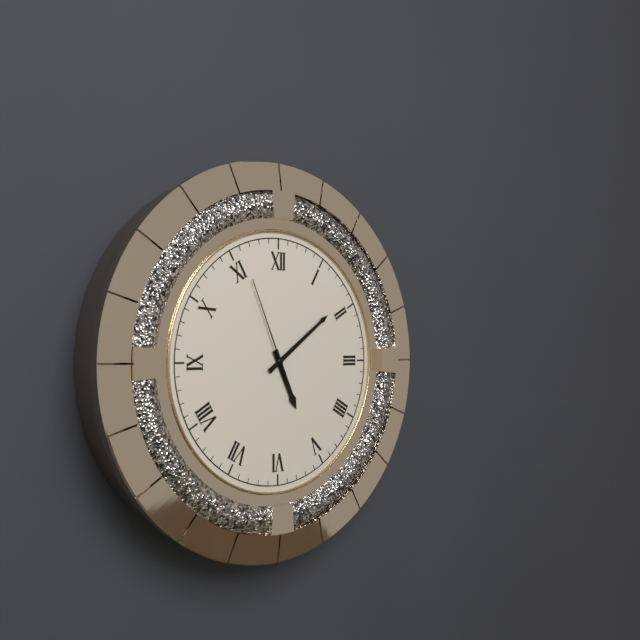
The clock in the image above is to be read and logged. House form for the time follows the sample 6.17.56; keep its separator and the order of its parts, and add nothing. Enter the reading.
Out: 5.09.56
